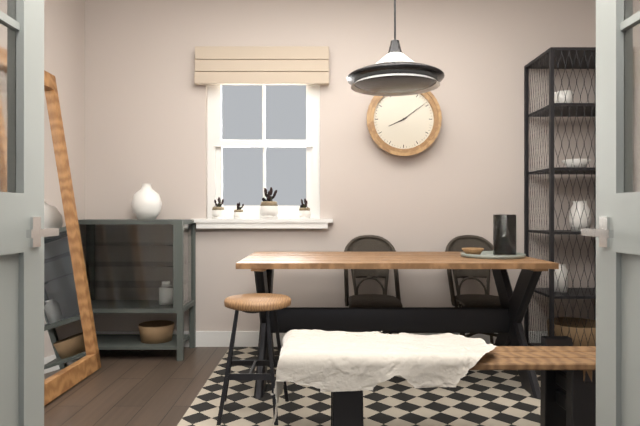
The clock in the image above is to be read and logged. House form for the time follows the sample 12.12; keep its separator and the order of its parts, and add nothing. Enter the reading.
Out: 8.09
